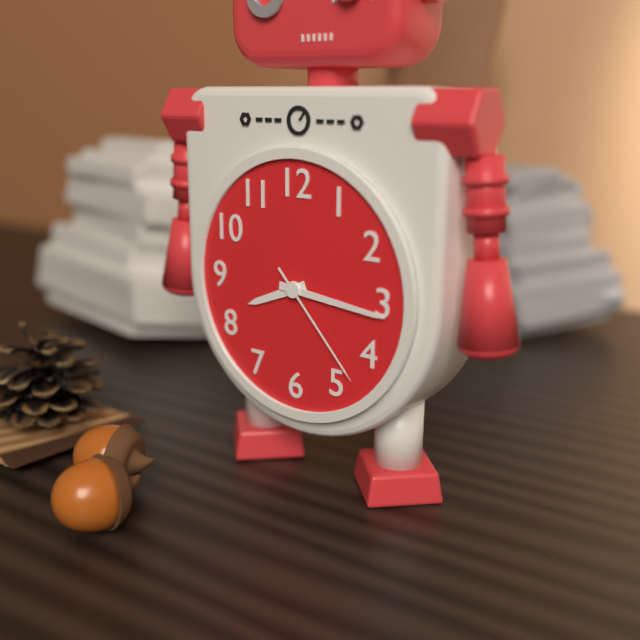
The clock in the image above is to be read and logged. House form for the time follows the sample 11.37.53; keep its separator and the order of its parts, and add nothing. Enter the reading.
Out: 8.16.23
